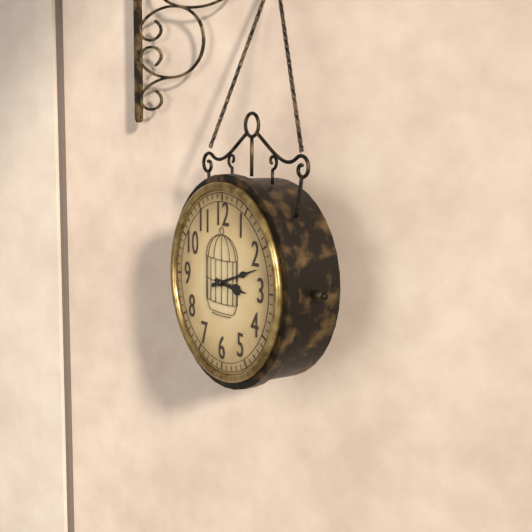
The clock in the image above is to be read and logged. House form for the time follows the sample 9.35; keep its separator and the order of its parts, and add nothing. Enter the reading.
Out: 3.12
